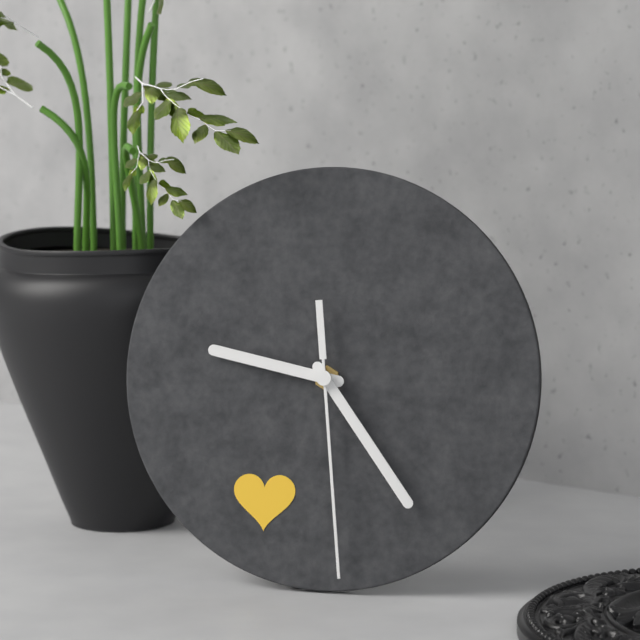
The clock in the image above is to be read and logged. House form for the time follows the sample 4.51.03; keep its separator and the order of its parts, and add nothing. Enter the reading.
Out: 9.24.29
